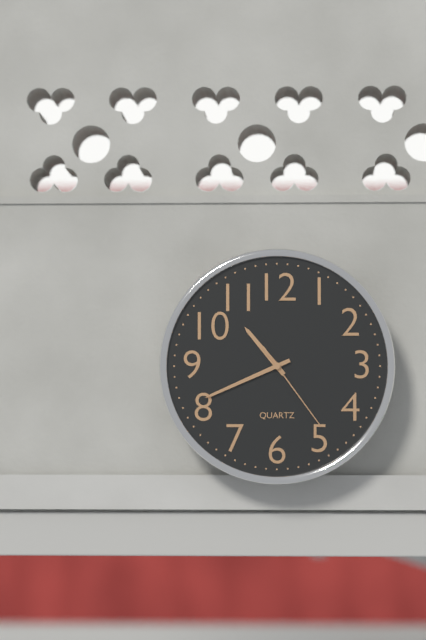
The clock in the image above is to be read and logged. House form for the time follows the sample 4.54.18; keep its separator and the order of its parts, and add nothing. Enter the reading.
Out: 10.41.24
